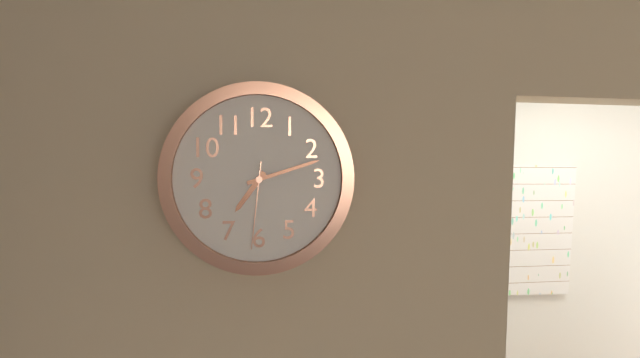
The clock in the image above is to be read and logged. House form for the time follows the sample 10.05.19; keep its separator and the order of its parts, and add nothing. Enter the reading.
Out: 7.12.31
